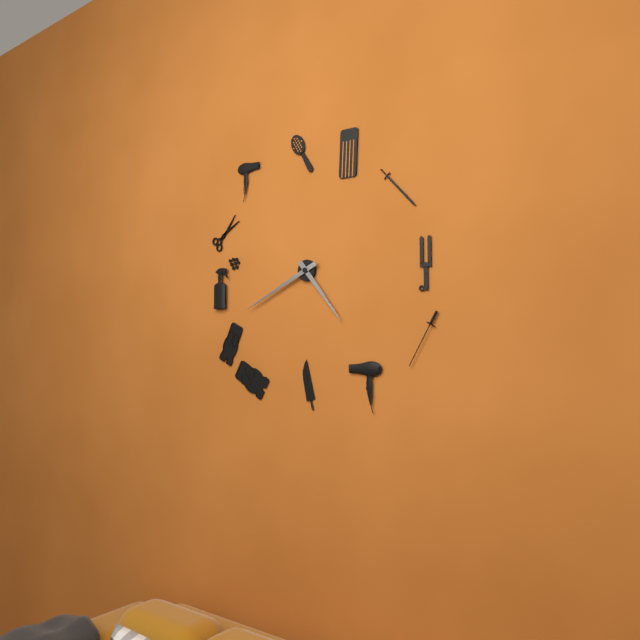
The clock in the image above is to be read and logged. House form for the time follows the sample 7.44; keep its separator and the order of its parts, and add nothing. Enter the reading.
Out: 4.41
